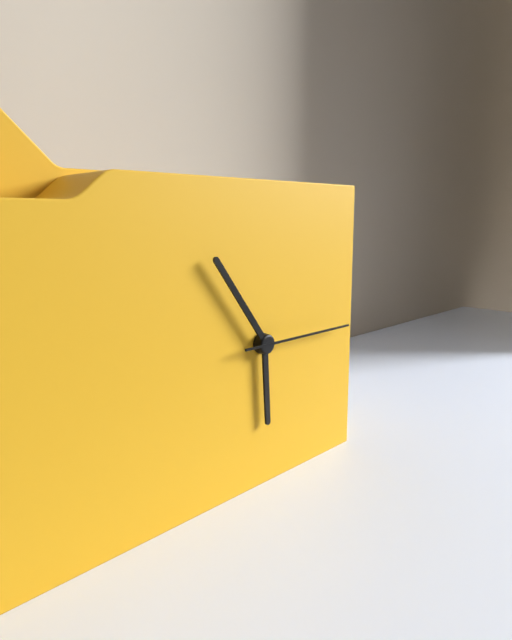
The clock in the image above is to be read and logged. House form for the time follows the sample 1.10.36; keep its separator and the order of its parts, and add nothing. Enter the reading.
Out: 5.54.15
